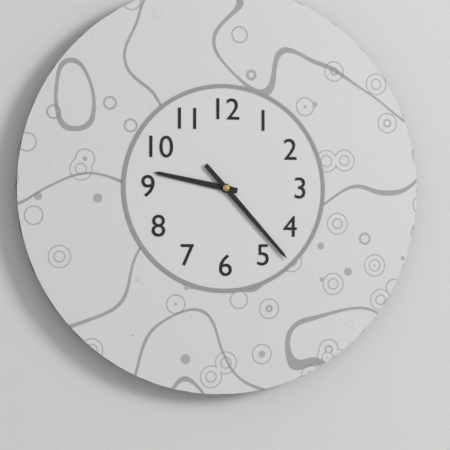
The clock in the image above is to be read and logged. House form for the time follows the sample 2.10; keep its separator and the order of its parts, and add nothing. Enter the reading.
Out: 9.23
